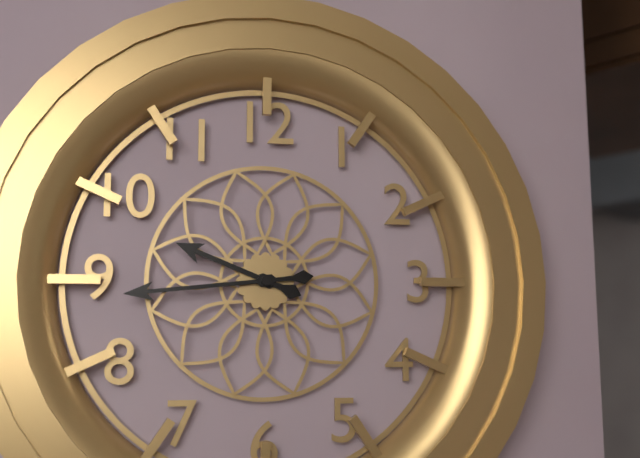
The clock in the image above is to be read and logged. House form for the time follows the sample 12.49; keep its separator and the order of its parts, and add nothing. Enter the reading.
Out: 9.44
